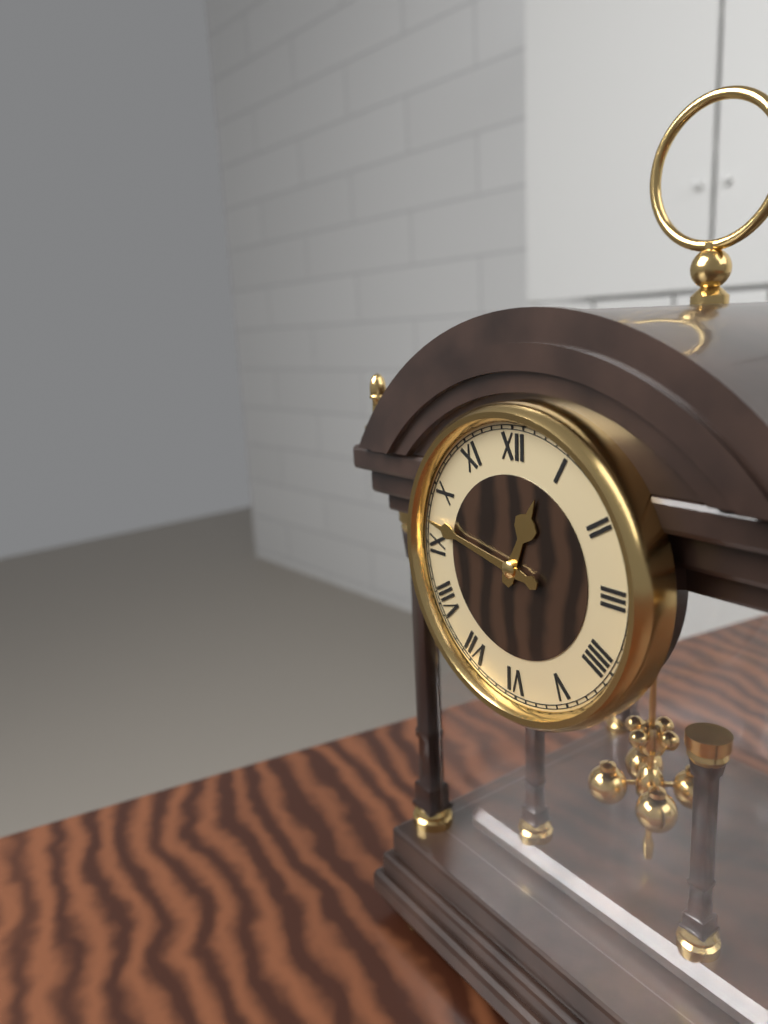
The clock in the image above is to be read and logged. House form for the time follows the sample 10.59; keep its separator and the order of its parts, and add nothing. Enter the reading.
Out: 12.47
